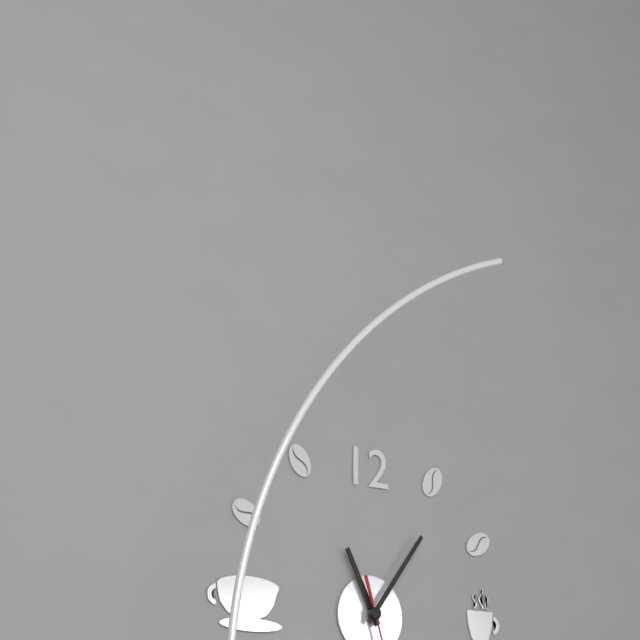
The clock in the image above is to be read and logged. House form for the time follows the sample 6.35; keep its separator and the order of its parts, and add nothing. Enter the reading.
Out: 11.06
